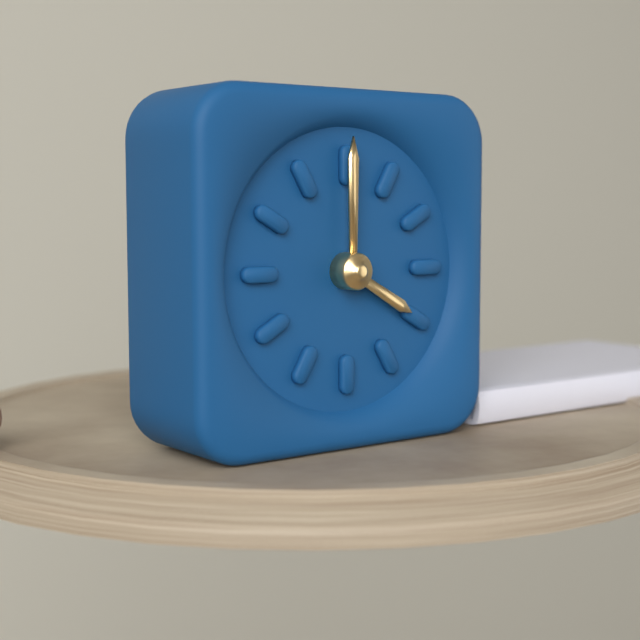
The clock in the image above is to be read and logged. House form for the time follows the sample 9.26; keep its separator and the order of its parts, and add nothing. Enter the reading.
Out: 4.00
